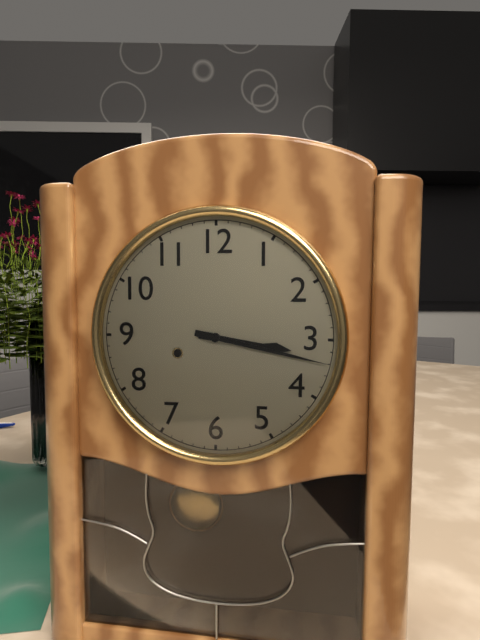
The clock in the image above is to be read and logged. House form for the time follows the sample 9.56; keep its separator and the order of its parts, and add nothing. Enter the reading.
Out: 3.17
